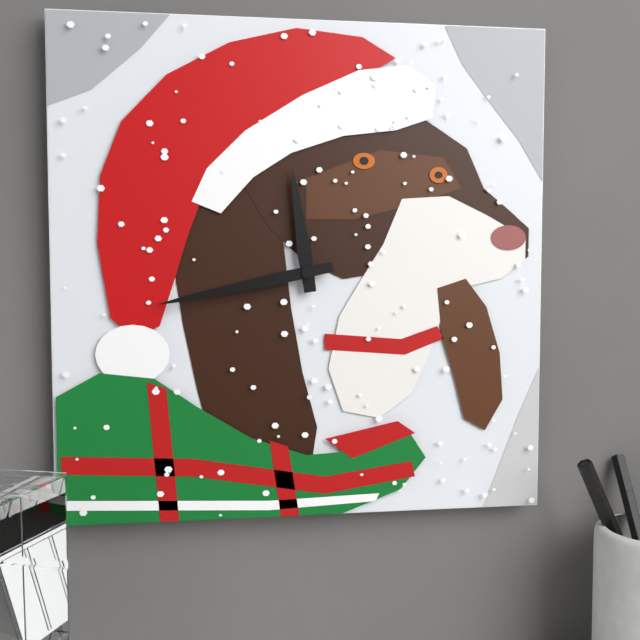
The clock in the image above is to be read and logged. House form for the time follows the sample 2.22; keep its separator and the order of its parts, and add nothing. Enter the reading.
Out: 11.43
